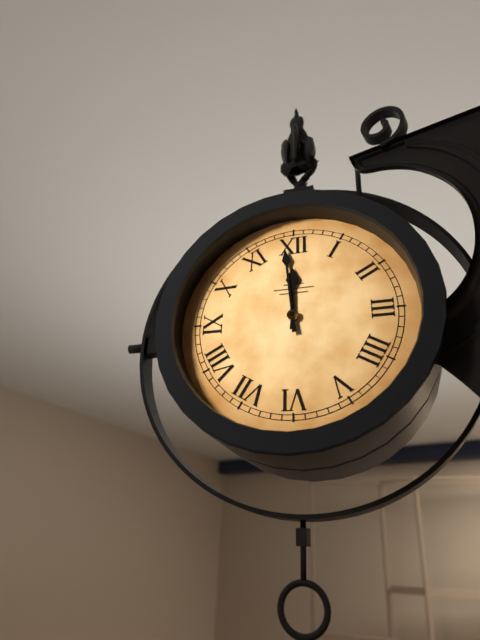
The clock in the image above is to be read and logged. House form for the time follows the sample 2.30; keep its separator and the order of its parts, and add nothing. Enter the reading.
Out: 11.59
